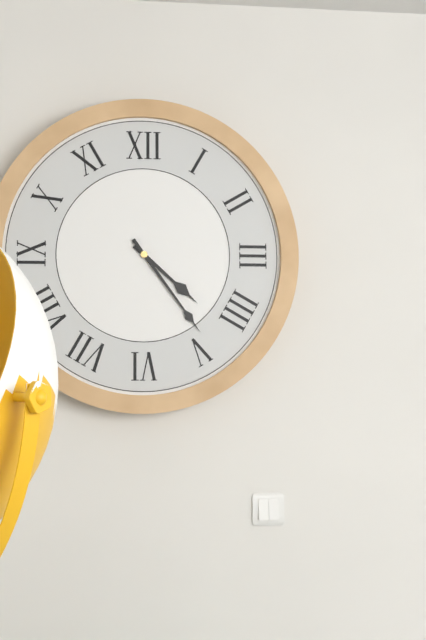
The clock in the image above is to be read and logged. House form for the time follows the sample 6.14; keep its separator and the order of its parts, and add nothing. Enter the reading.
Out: 4.24
